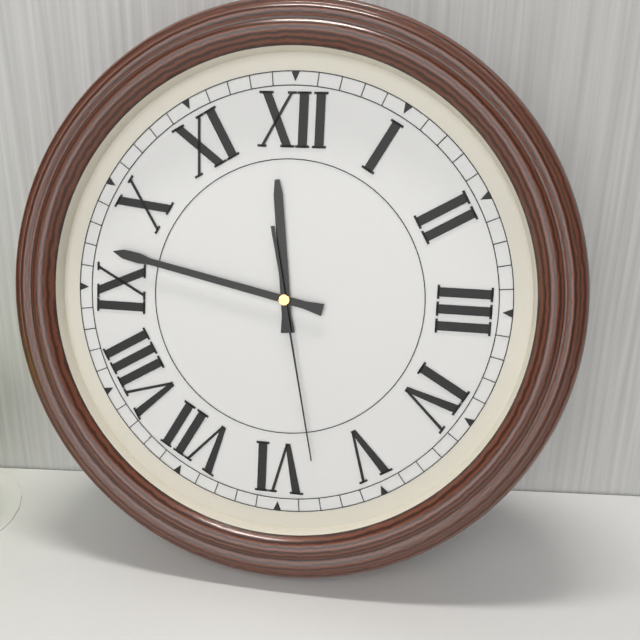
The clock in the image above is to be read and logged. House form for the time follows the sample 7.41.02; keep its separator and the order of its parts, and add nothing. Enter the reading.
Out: 11.47.28
